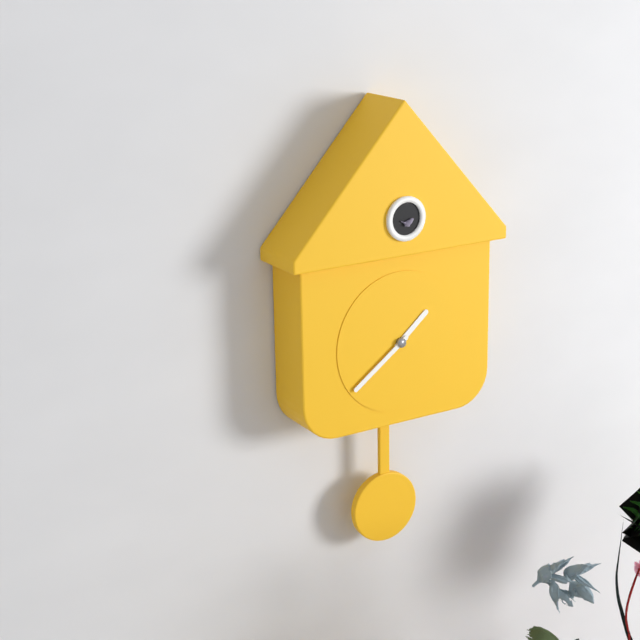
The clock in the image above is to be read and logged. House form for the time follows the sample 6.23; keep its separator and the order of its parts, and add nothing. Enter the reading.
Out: 1.39
